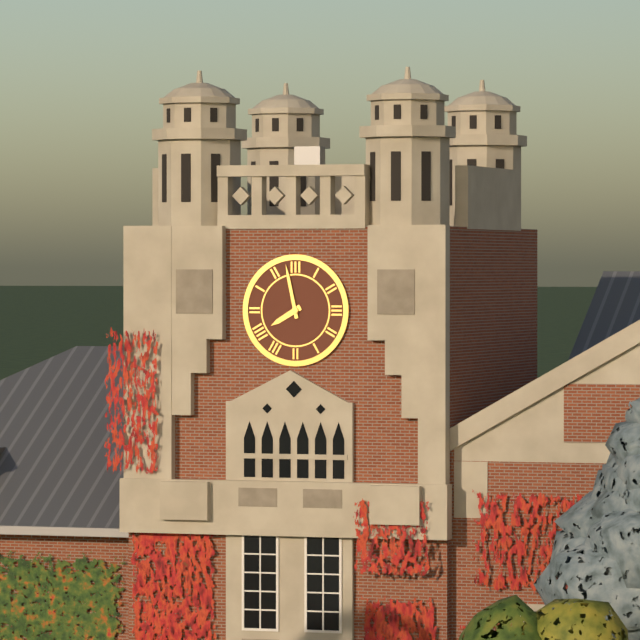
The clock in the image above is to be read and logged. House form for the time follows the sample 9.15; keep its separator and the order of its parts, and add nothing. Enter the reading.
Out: 7.58
